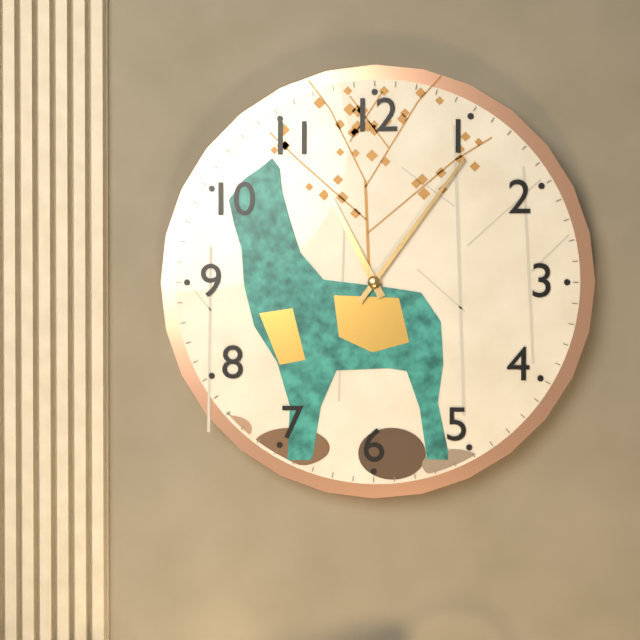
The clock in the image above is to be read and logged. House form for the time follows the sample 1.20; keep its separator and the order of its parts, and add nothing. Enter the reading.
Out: 11.06
